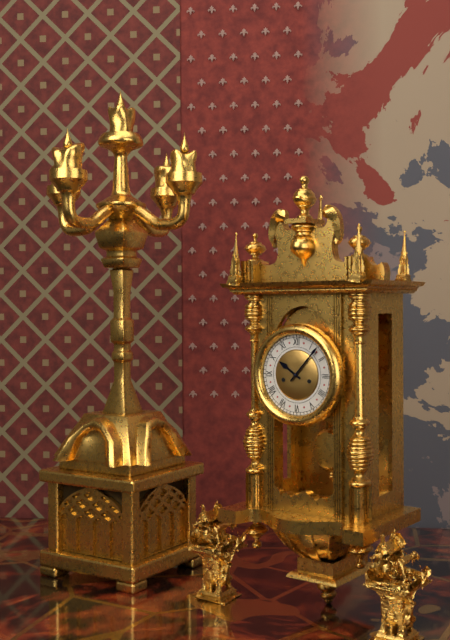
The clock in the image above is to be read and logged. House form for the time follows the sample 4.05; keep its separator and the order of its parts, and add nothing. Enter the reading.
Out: 10.07
